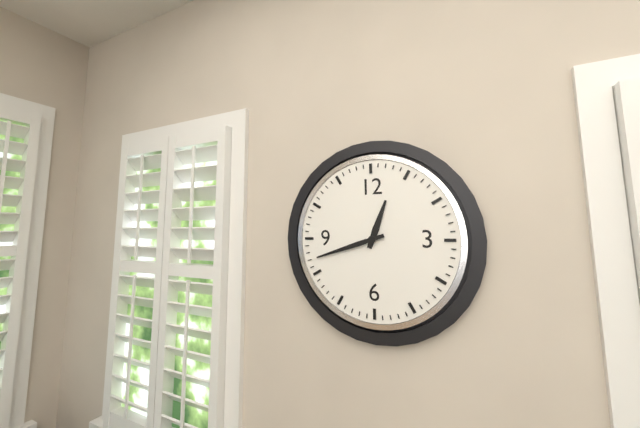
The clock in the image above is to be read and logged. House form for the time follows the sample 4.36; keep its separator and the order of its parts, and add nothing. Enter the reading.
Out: 12.42
